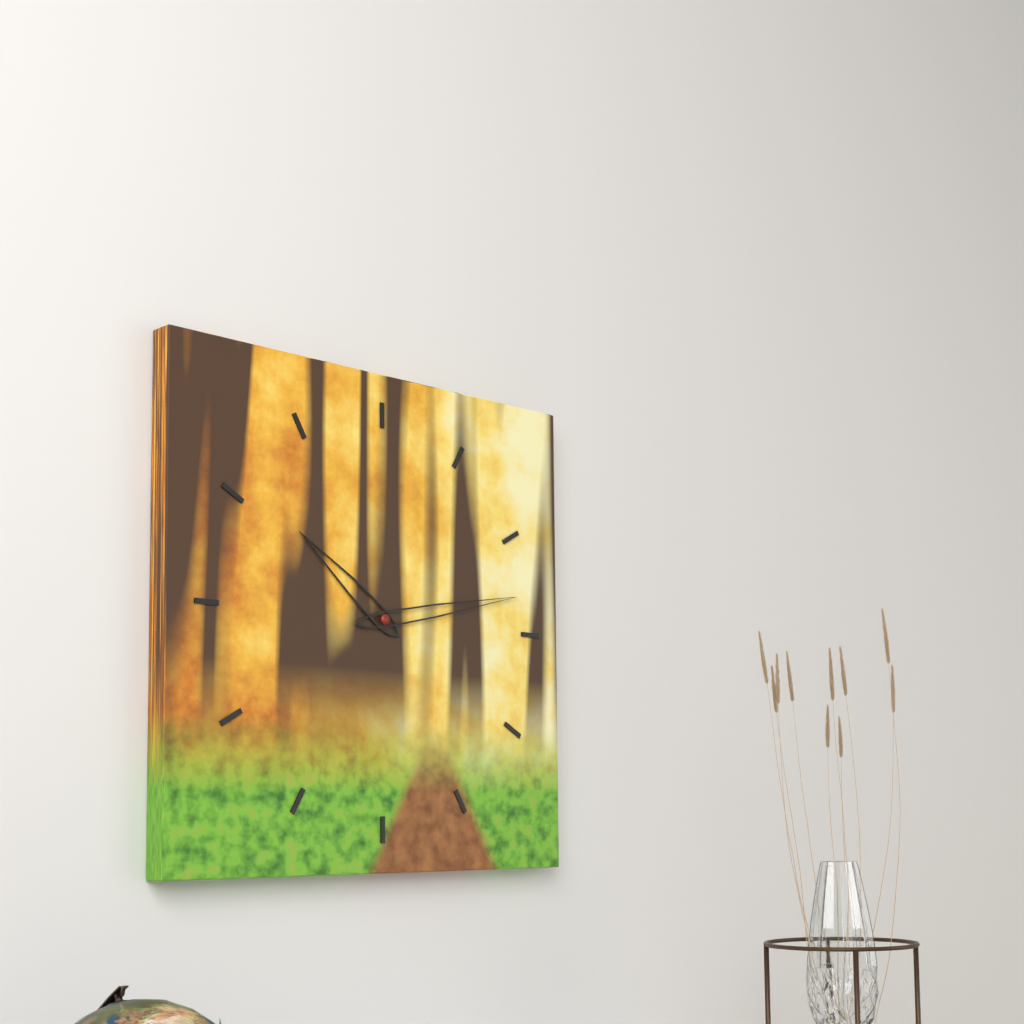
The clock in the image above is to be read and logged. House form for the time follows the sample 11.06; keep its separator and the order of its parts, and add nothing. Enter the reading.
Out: 10.13
